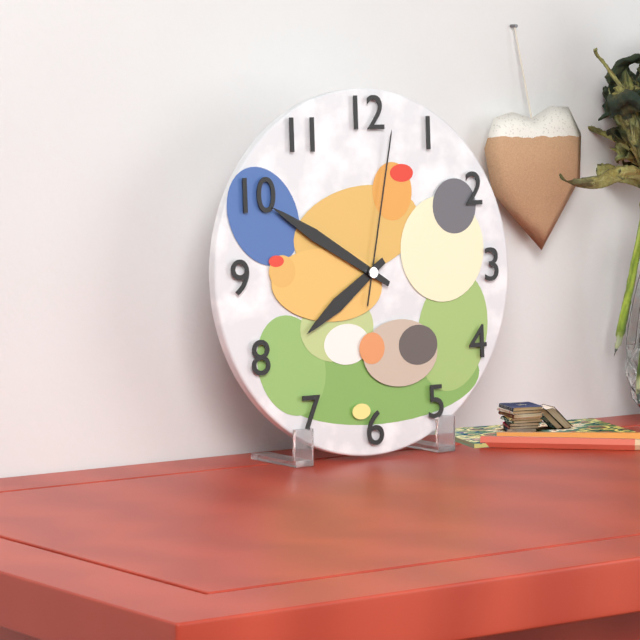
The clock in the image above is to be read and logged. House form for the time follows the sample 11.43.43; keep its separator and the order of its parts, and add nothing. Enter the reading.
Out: 7.50.02
